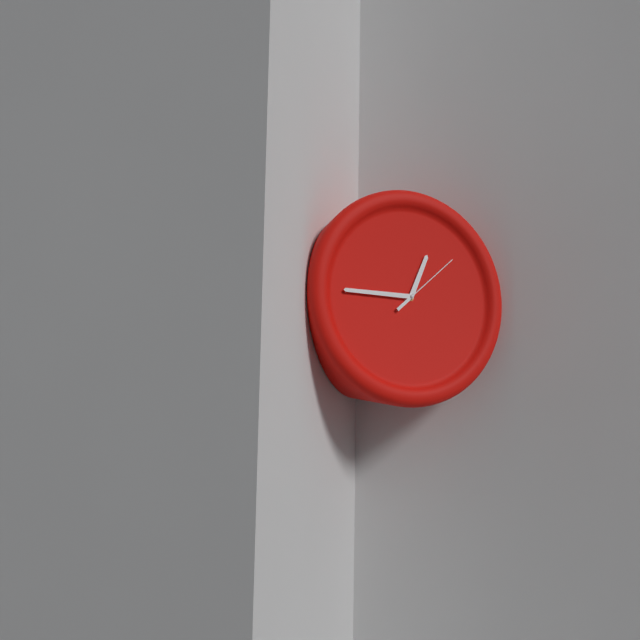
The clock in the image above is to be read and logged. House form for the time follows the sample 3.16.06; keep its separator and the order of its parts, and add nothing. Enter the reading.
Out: 12.45.08
